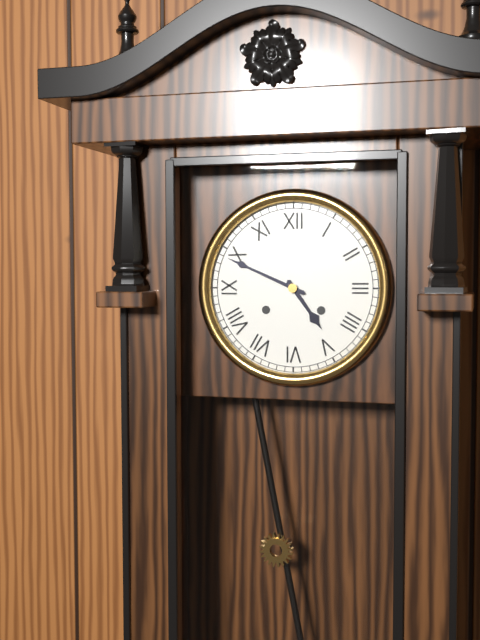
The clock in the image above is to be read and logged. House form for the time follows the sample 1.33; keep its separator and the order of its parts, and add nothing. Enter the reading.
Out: 4.49
